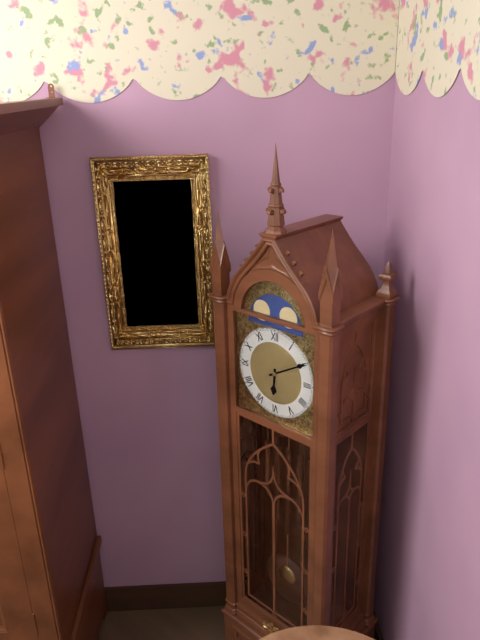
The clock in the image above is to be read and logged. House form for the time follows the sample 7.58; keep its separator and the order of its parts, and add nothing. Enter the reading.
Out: 6.10
